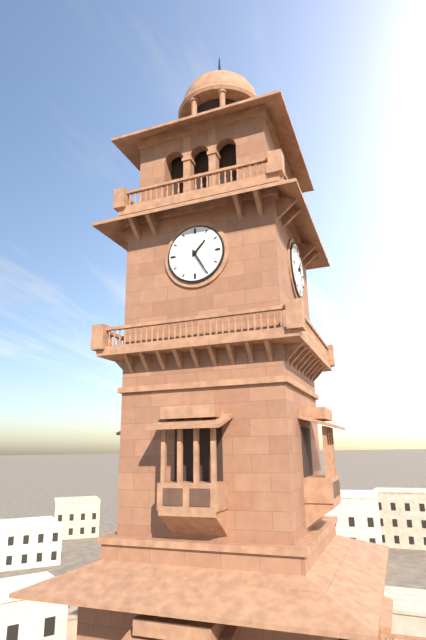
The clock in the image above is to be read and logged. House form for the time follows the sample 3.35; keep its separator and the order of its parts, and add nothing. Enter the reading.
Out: 1.25
